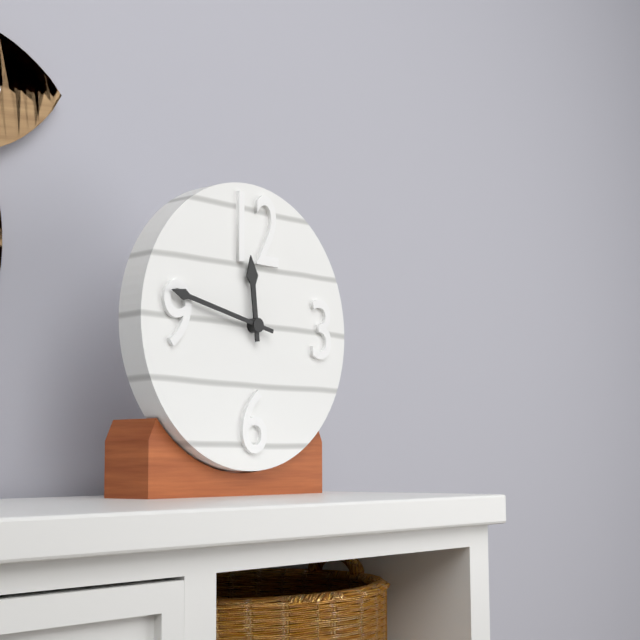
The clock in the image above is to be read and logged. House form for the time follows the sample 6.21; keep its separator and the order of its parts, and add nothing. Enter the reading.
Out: 11.47
